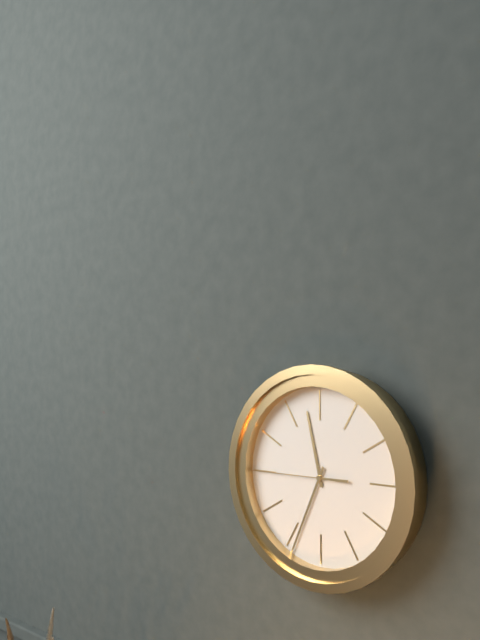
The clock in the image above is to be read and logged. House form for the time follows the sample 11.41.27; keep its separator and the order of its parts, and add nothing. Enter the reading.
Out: 11.34.45
